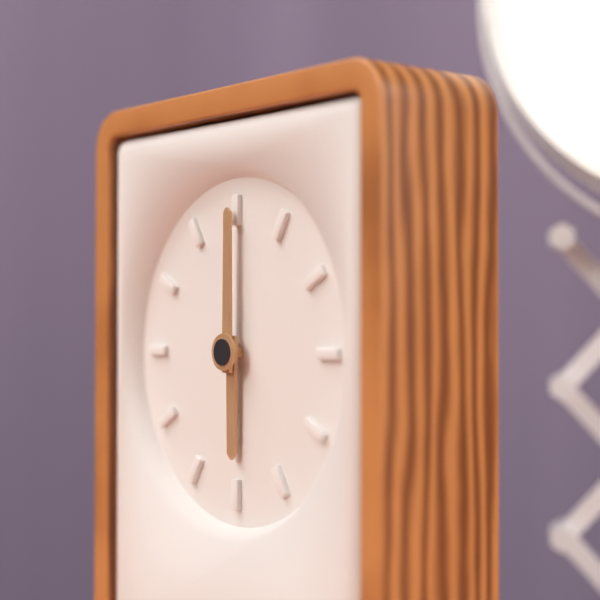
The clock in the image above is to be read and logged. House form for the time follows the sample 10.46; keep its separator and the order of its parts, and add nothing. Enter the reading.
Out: 6.00
